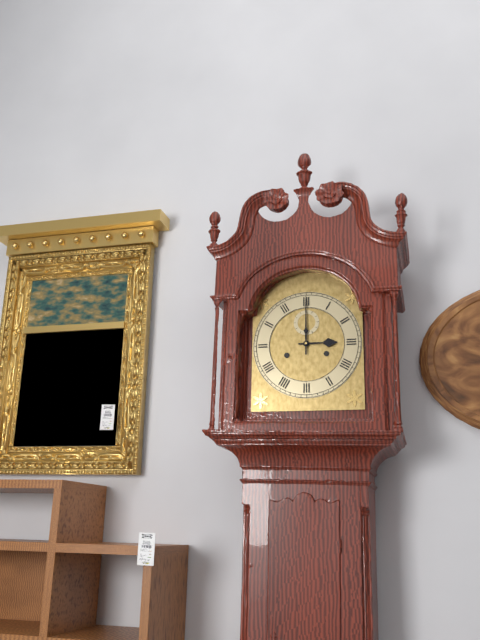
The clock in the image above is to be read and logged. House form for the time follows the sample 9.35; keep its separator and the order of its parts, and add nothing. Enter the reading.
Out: 3.00
